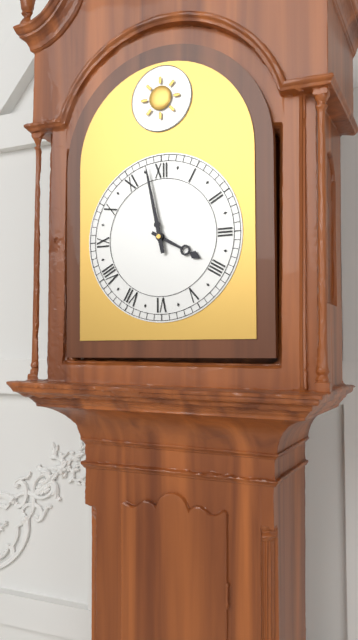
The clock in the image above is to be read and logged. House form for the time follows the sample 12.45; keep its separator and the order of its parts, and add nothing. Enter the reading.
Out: 3.58
